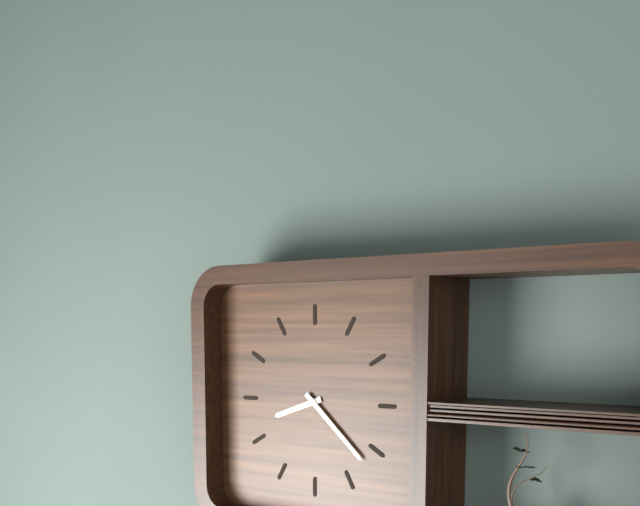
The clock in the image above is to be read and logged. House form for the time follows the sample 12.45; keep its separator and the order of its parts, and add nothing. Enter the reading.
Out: 8.22
